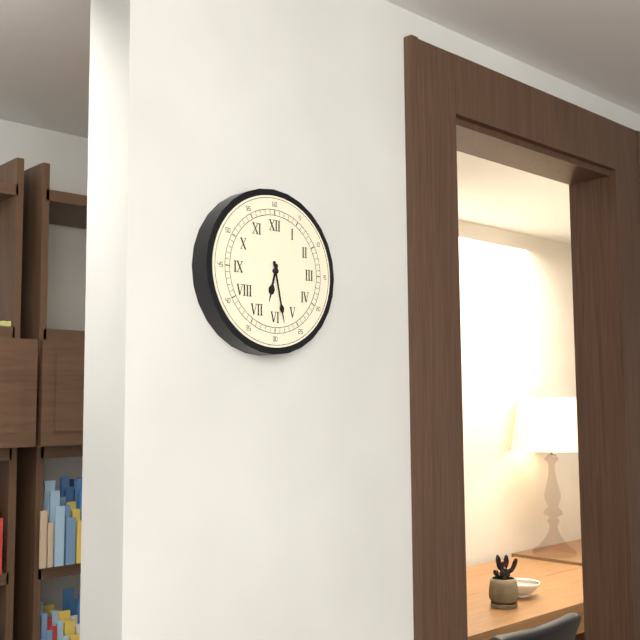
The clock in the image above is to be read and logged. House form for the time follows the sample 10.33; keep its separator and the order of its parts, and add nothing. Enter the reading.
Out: 6.28
